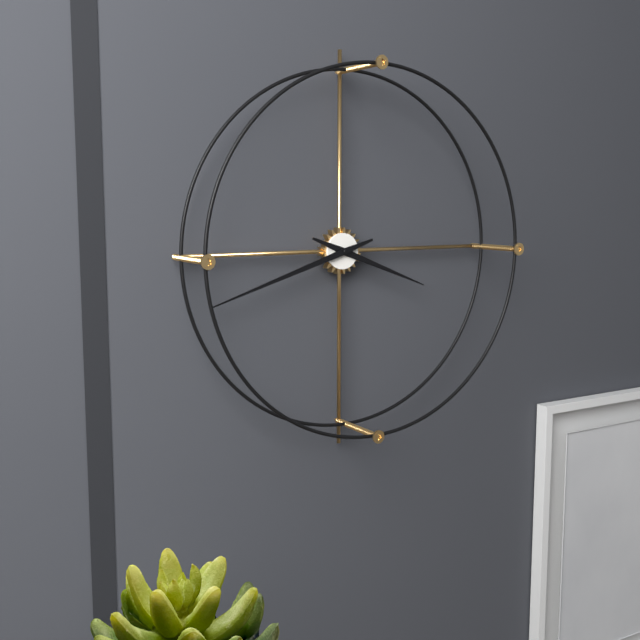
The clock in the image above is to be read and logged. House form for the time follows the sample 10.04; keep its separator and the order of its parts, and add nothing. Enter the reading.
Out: 3.42
